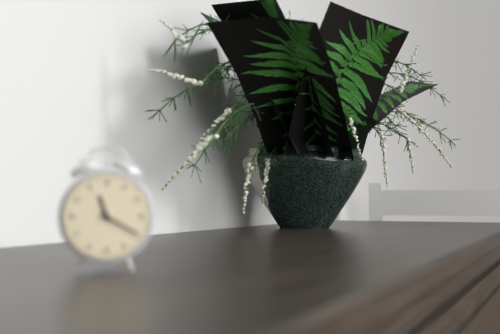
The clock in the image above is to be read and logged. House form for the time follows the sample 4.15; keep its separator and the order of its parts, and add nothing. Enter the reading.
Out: 11.20
